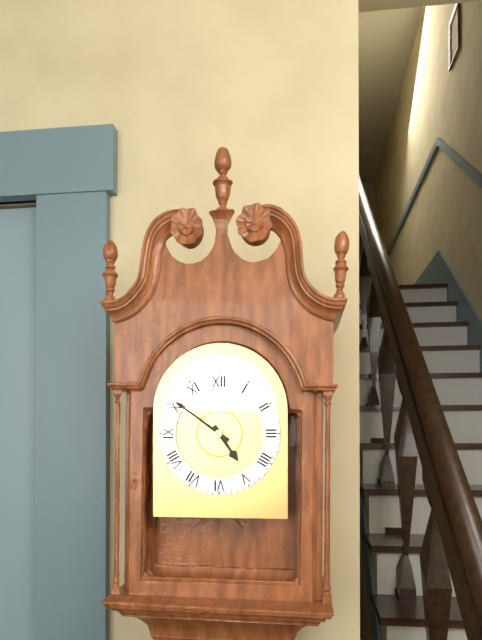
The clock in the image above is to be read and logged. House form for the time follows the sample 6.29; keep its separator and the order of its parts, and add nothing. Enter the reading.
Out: 4.51
